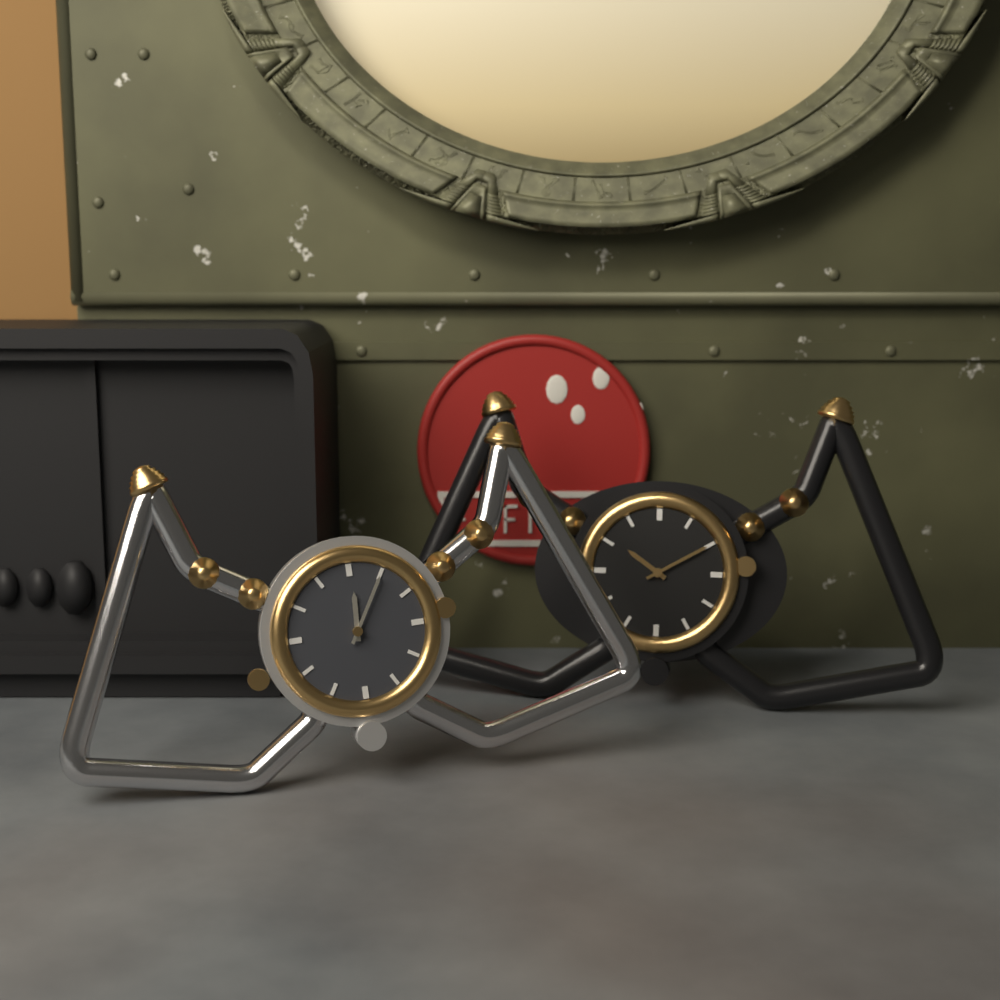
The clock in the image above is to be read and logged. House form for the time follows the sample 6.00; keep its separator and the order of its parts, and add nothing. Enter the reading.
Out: 12.05
